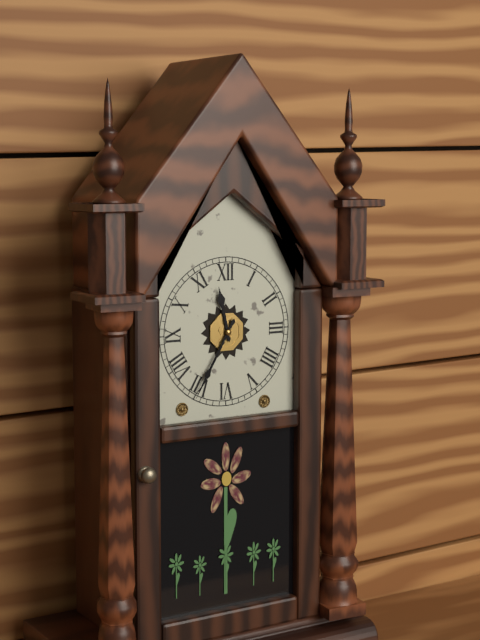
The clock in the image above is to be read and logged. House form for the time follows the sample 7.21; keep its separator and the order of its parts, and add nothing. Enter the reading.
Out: 11.35
